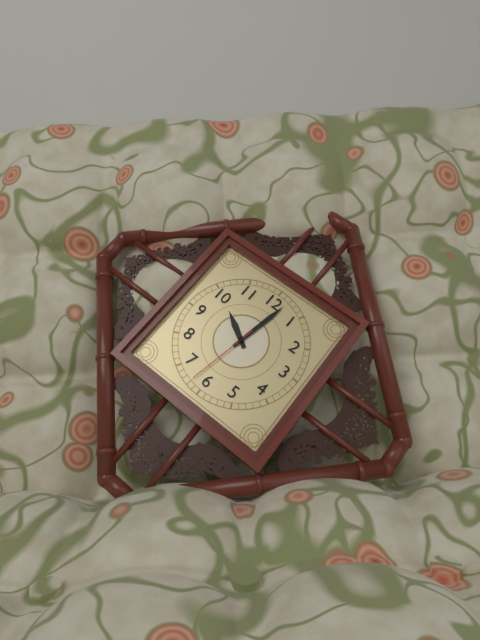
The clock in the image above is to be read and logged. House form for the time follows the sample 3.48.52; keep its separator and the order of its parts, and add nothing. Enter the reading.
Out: 10.02.32
